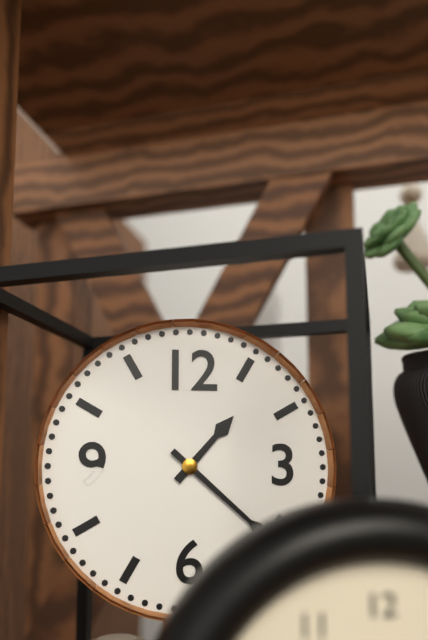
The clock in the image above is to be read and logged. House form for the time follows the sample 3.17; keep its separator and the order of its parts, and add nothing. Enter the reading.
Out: 1.22
